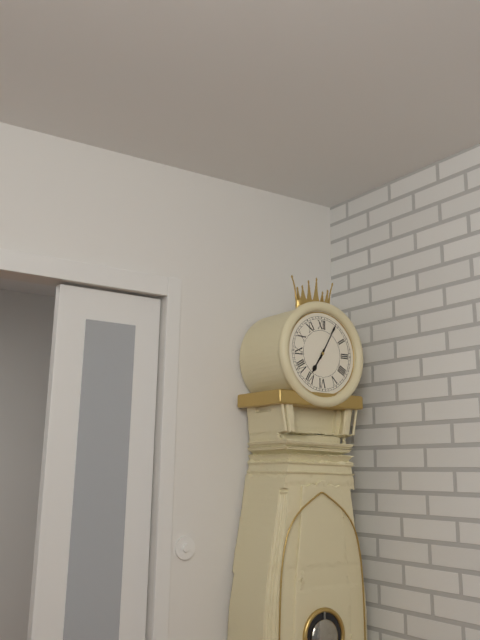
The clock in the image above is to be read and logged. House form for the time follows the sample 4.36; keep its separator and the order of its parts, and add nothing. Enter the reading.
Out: 7.05
